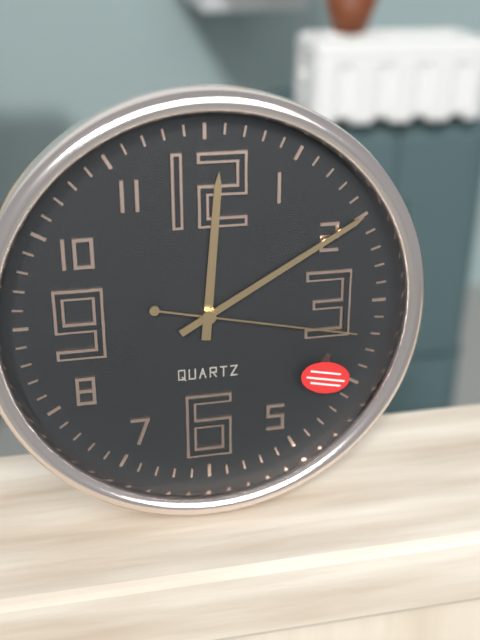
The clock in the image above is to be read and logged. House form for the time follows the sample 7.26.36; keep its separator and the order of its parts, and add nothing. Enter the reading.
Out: 12.10.17
